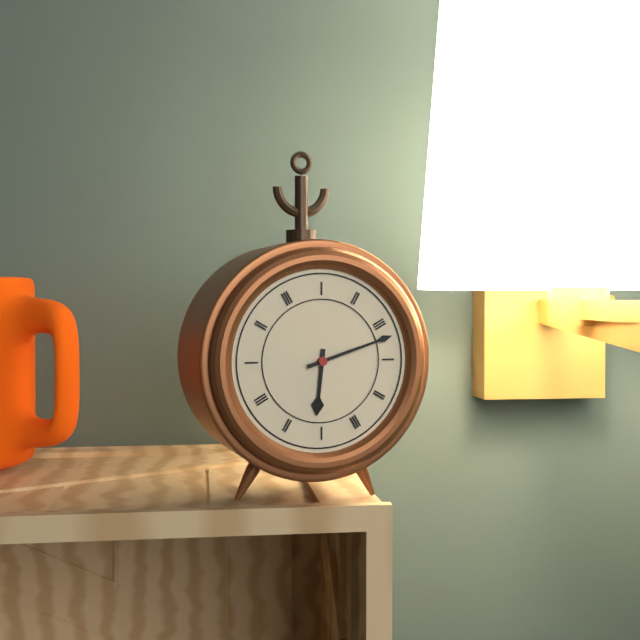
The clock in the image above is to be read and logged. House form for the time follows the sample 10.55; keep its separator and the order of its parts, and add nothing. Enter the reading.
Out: 6.12
